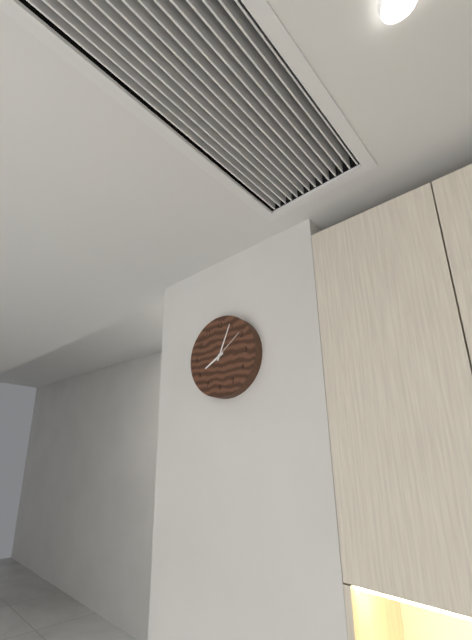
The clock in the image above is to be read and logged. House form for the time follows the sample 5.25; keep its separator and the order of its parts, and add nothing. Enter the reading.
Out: 8.04
